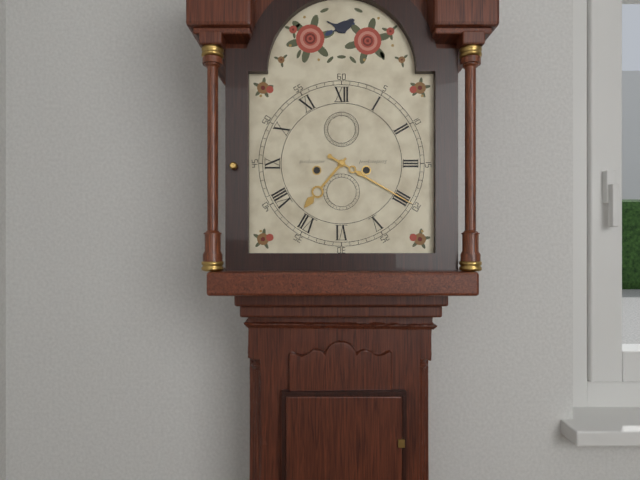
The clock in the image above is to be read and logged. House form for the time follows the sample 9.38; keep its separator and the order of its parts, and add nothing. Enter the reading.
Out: 7.20
